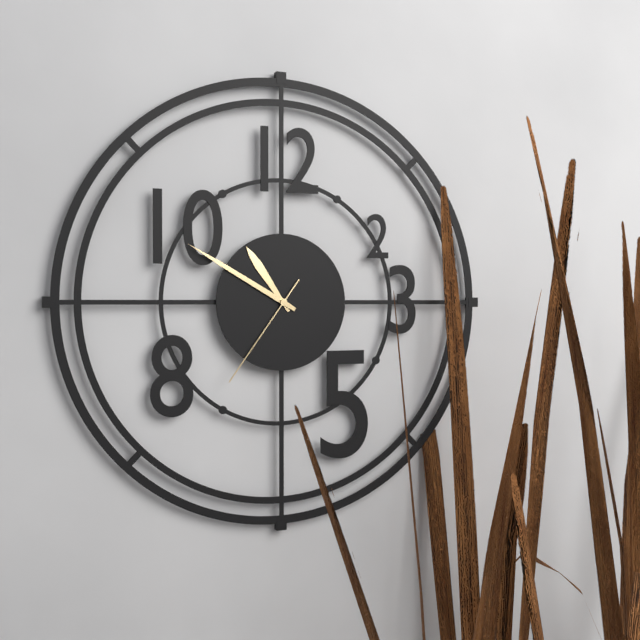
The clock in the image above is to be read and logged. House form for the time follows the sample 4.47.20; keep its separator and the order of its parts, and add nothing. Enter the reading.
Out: 10.50.36
